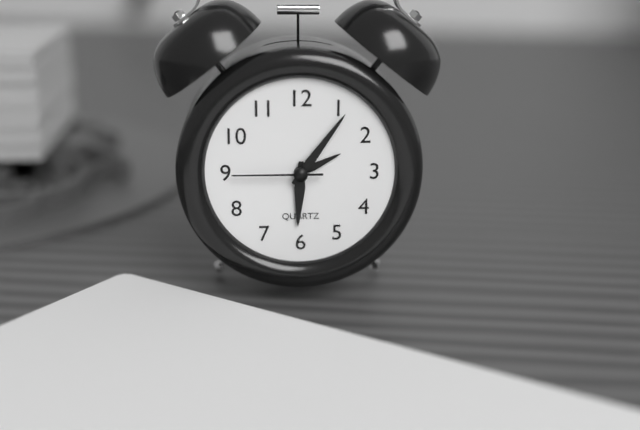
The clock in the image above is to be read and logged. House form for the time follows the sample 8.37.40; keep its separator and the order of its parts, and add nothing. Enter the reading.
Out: 6.06.45
